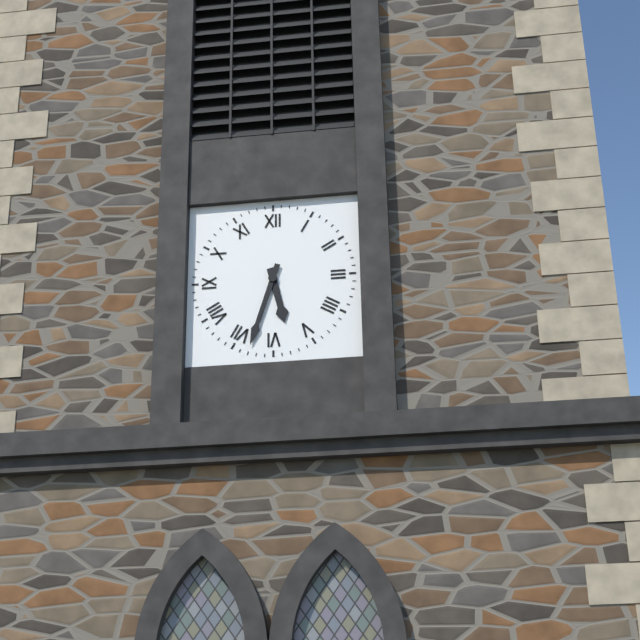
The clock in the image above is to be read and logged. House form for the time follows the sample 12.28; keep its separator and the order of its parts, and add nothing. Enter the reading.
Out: 5.33
